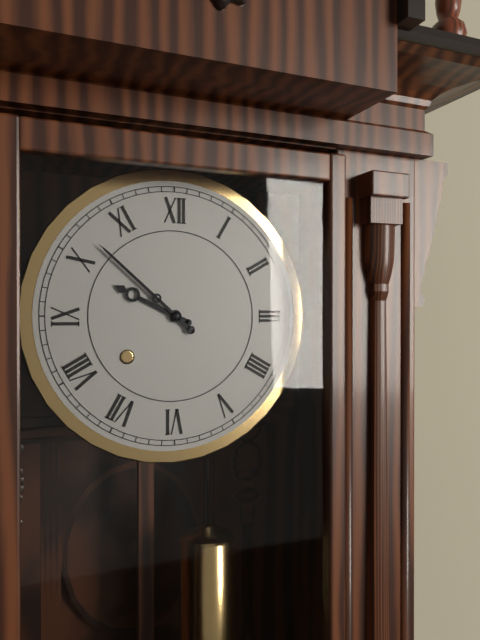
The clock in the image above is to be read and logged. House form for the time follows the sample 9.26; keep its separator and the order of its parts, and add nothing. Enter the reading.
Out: 9.52
